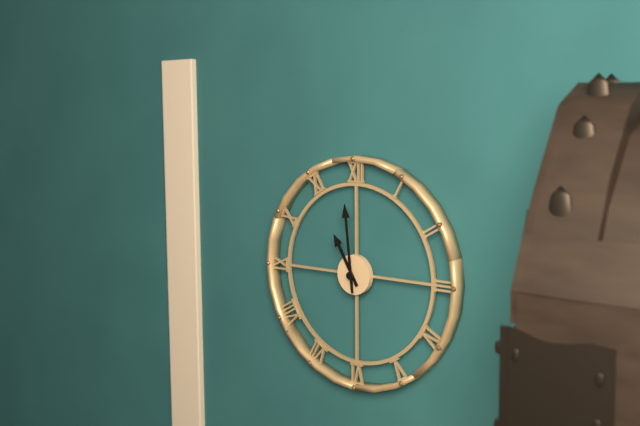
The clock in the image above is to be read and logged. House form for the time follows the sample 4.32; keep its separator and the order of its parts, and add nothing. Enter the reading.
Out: 10.59
